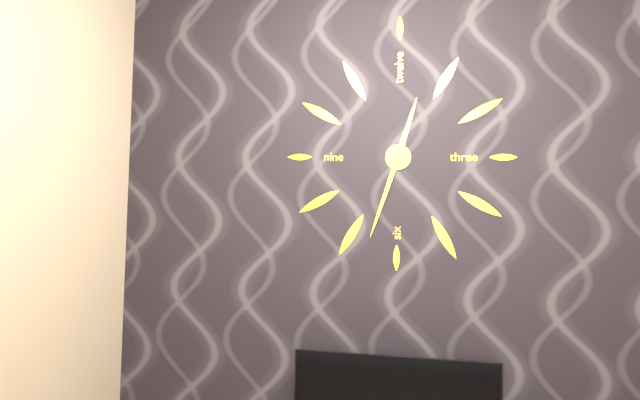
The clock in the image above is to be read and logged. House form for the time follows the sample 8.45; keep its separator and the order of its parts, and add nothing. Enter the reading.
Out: 12.33
